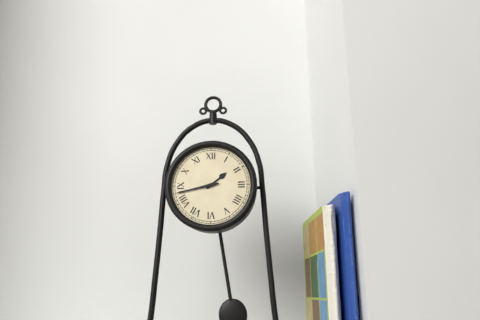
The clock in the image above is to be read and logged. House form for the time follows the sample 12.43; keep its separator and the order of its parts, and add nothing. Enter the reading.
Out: 1.43
